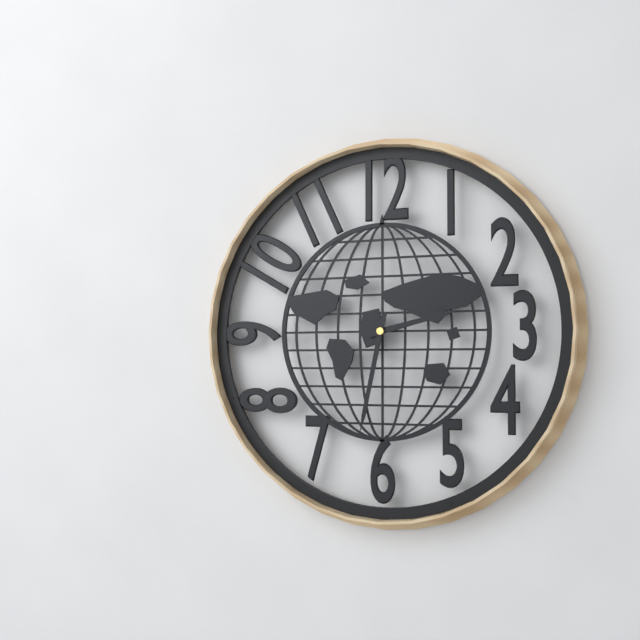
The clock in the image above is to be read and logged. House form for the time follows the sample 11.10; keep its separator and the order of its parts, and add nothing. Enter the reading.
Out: 2.32
